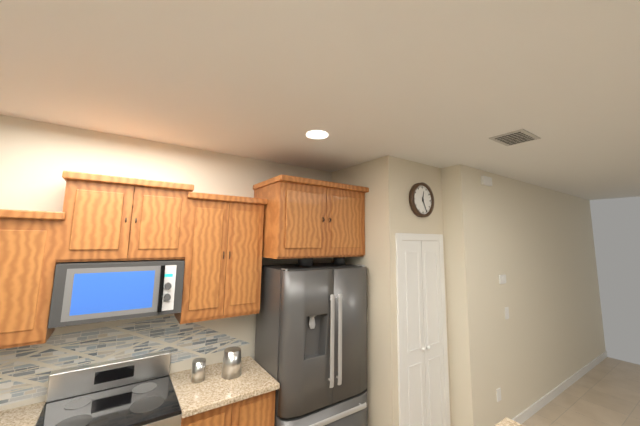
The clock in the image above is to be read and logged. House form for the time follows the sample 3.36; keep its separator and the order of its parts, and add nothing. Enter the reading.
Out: 12.26
